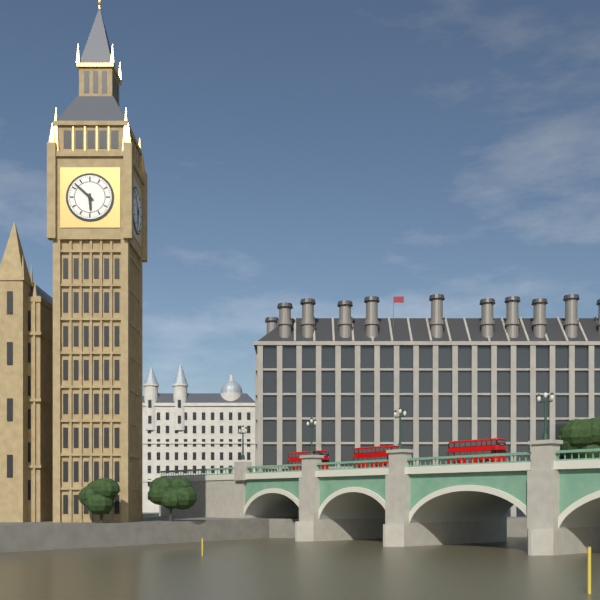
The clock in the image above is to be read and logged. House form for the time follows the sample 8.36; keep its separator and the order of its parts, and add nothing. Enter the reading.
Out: 5.52
